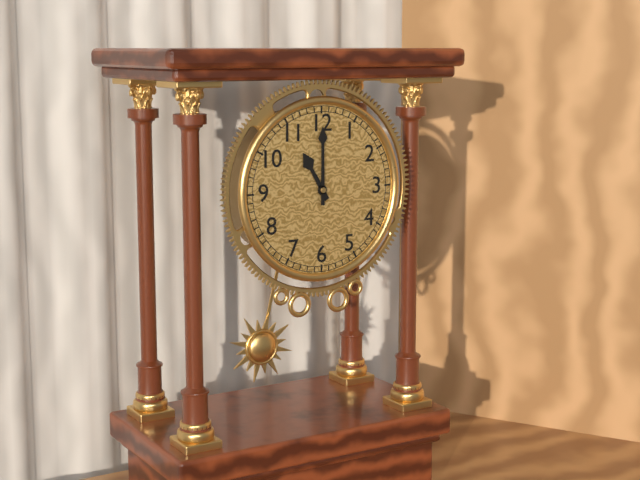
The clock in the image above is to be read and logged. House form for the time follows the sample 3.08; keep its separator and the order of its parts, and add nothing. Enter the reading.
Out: 11.00
